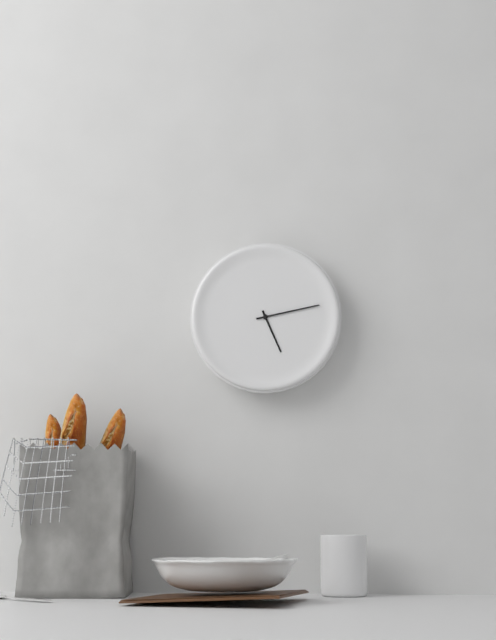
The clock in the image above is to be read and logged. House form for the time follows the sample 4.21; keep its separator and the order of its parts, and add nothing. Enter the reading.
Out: 5.13
